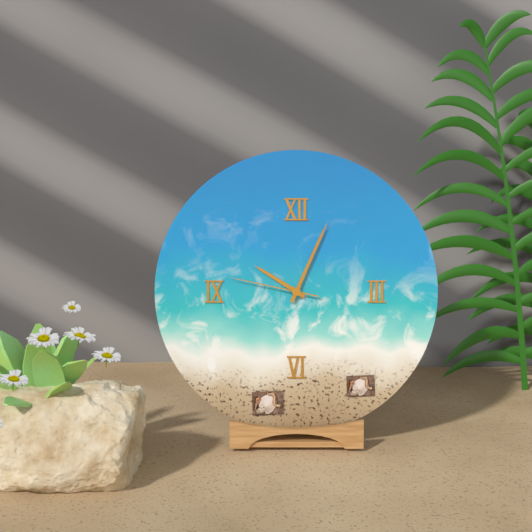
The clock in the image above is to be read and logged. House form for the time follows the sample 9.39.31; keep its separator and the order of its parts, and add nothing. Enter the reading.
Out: 10.04.47
